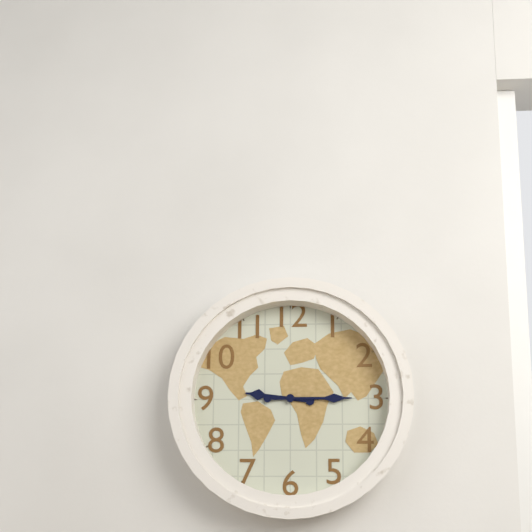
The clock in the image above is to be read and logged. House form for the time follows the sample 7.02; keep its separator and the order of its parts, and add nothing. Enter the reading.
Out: 9.15
